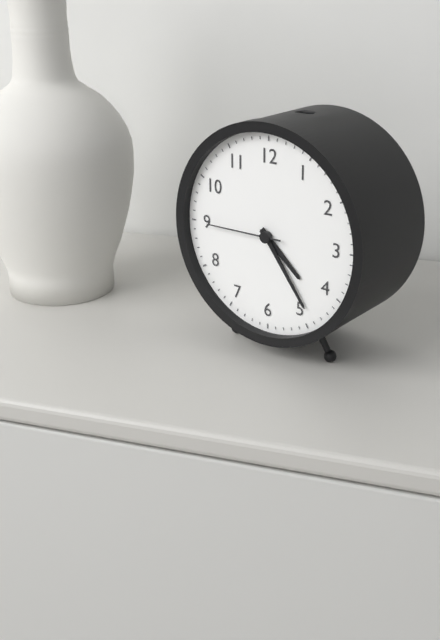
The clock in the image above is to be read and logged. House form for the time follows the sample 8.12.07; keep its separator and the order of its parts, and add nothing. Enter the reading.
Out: 4.24.45
